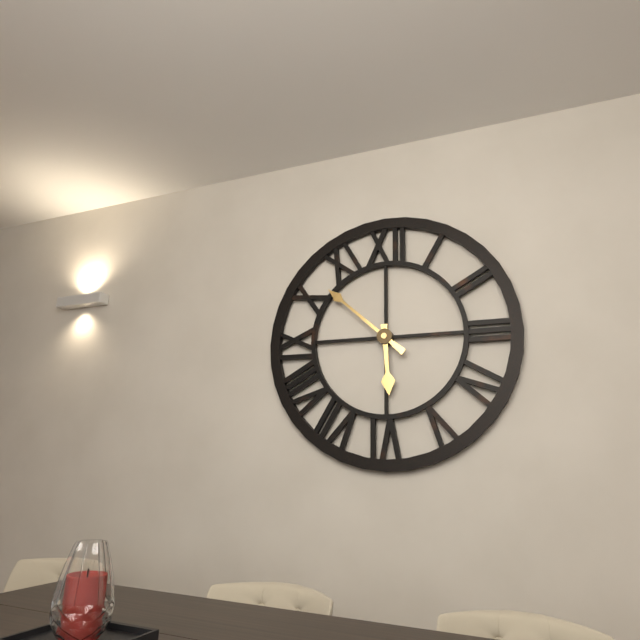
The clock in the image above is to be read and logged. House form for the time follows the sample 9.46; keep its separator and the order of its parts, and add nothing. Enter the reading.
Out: 5.52
